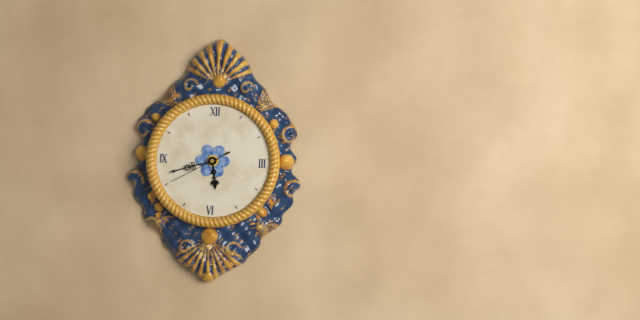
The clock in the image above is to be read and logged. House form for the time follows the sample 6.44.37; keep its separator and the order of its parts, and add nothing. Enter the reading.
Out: 5.42.40
